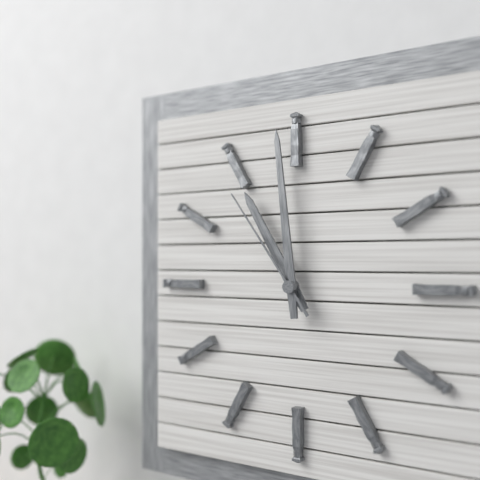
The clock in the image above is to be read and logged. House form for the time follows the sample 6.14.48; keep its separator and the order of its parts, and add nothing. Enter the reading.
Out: 10.59.54
